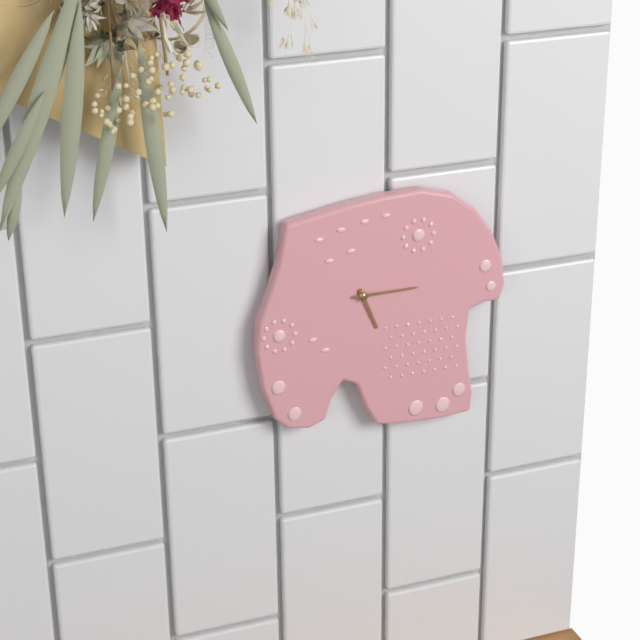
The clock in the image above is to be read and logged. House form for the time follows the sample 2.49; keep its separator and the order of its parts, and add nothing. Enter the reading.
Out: 5.15
